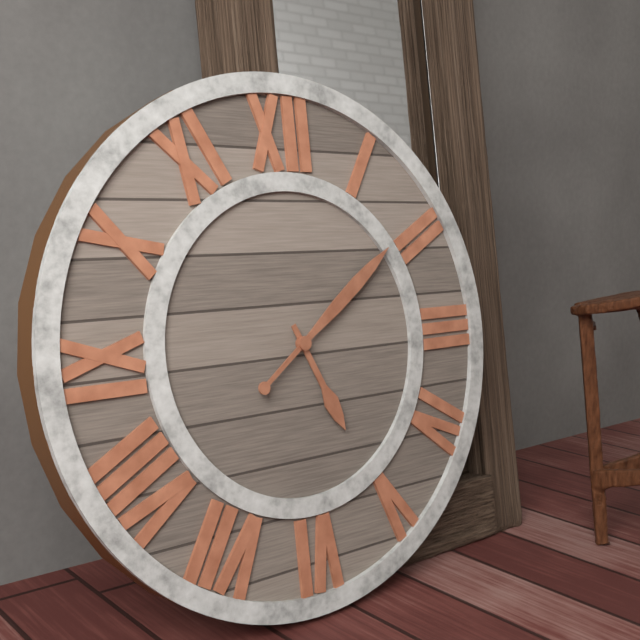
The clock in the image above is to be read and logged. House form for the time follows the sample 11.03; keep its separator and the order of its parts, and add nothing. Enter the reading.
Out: 5.09
